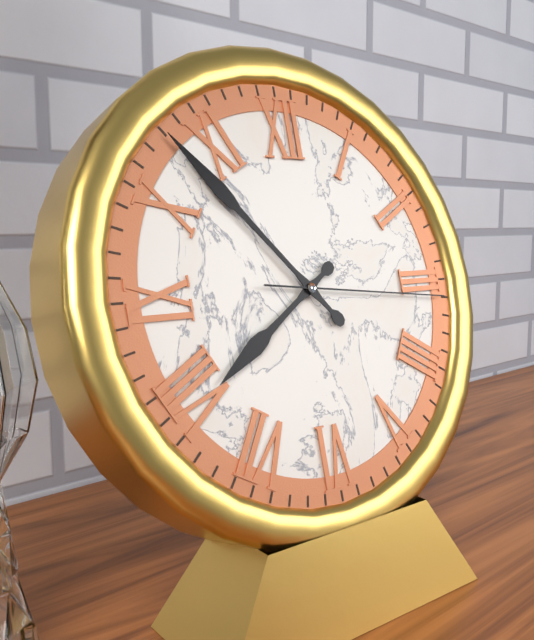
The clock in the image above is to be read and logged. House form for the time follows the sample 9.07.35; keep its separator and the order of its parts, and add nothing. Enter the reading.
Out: 7.53.16
